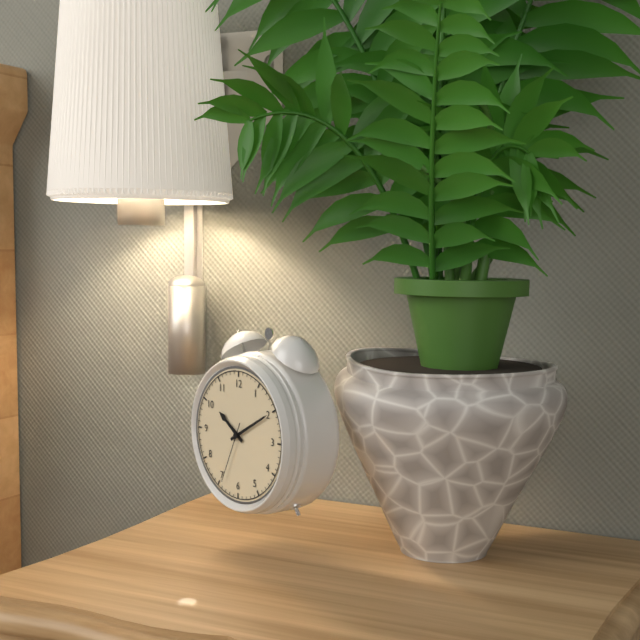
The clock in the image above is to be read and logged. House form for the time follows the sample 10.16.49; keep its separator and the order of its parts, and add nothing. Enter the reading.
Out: 10.10.34
